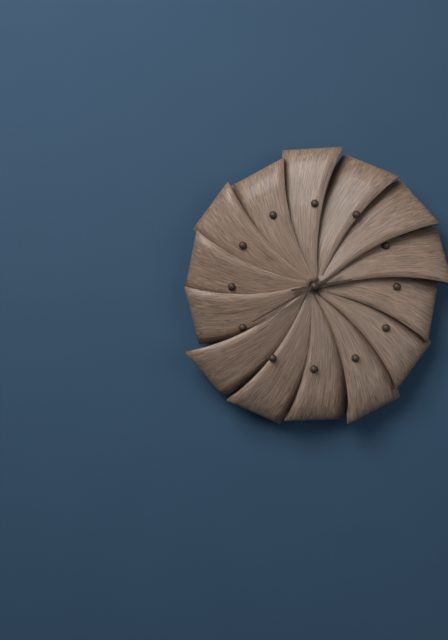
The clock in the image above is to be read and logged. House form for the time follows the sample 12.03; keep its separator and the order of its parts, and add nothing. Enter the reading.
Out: 2.40
